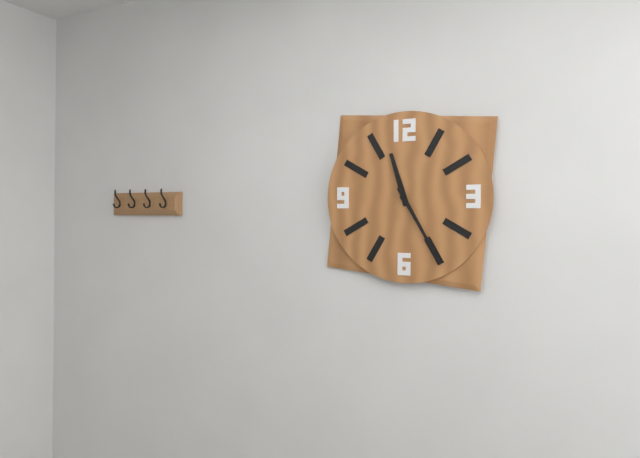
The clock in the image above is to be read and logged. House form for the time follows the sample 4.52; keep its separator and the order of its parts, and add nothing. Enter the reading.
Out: 11.25
